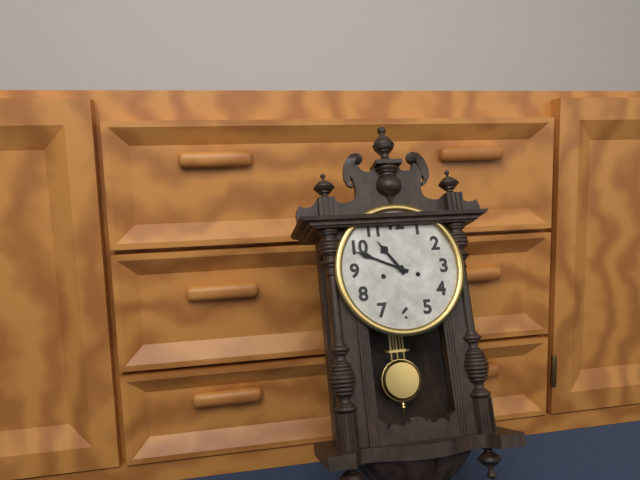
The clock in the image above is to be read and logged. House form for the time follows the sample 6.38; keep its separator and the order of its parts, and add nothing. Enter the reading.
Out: 10.49
